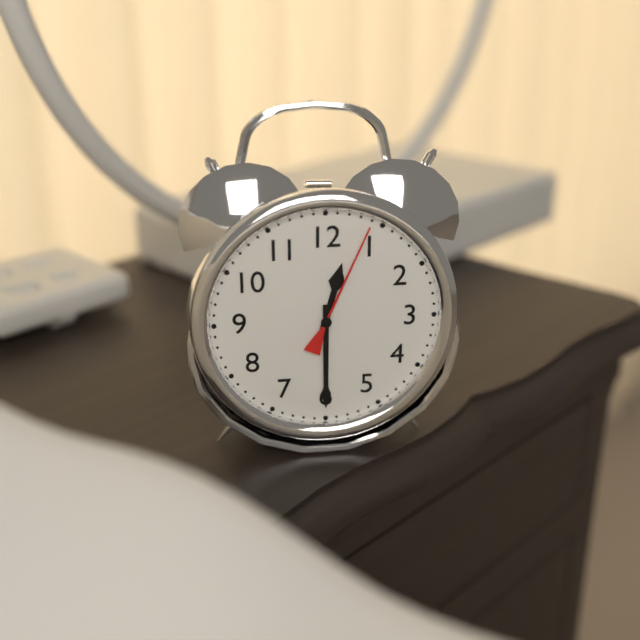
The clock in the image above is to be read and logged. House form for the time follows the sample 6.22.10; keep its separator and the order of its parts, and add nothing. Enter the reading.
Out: 12.30.04
